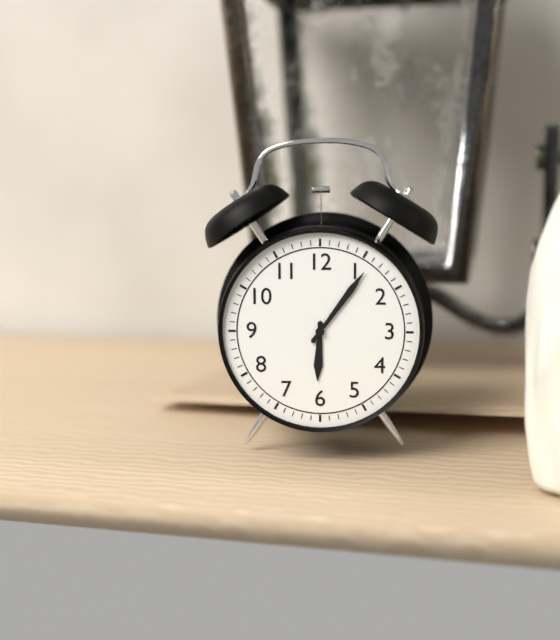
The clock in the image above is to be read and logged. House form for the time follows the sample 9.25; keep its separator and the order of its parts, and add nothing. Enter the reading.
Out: 6.06
